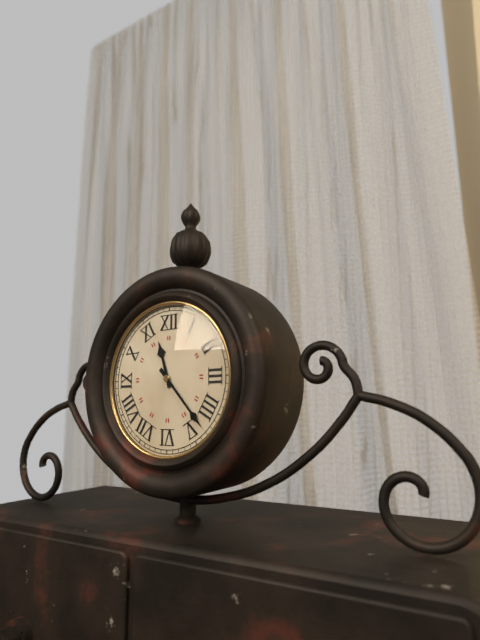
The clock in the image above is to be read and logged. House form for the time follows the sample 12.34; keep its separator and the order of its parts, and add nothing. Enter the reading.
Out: 11.23
